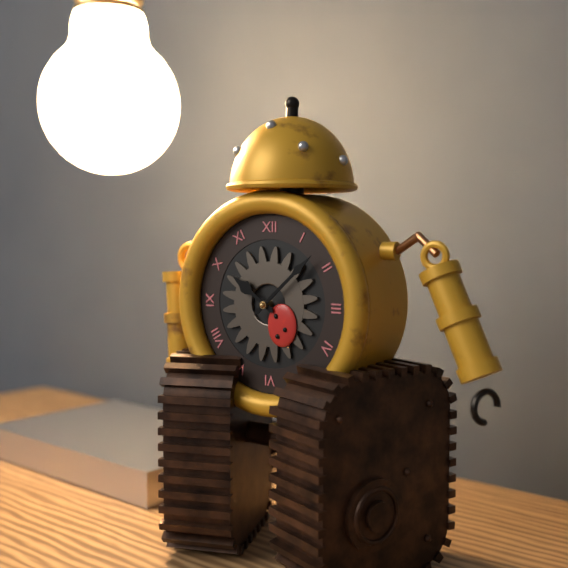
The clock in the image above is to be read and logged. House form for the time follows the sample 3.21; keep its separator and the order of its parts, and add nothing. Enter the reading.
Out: 10.08
